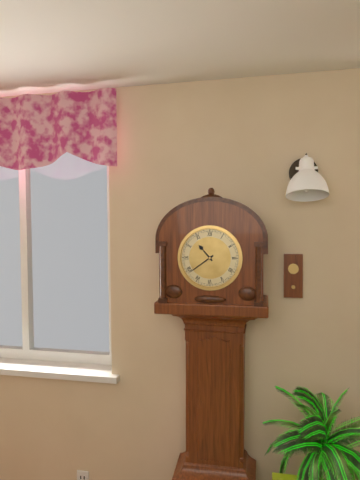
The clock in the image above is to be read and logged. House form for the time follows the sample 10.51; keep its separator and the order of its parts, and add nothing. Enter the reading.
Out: 10.39
